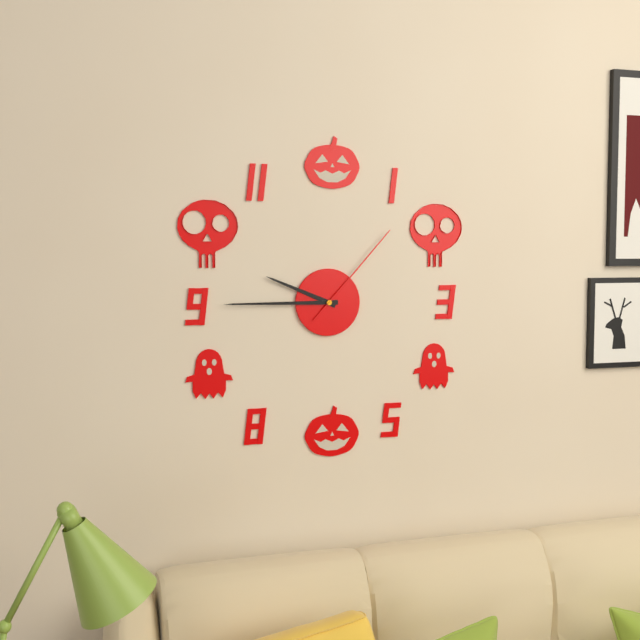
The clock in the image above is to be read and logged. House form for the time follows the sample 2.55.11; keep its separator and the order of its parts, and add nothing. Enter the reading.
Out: 9.45.07
